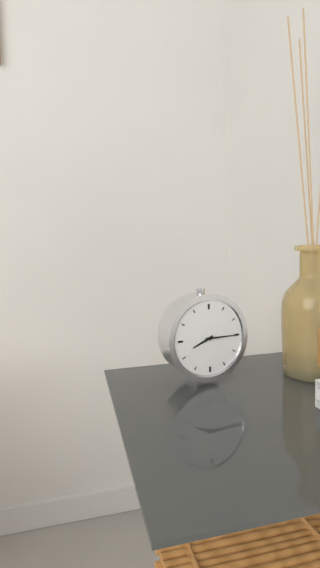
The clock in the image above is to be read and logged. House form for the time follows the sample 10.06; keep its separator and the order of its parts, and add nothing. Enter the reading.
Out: 8.15
